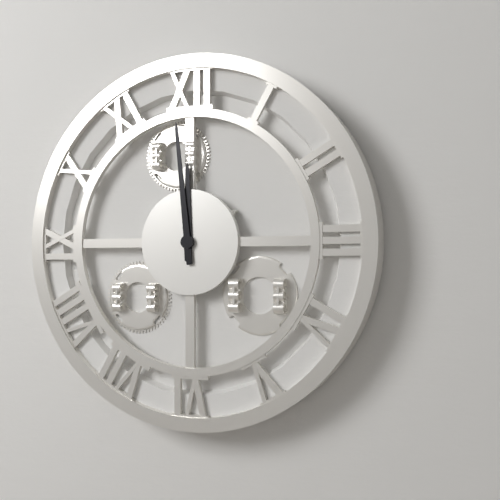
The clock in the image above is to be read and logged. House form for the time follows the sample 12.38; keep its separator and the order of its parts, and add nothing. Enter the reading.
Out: 11.59
